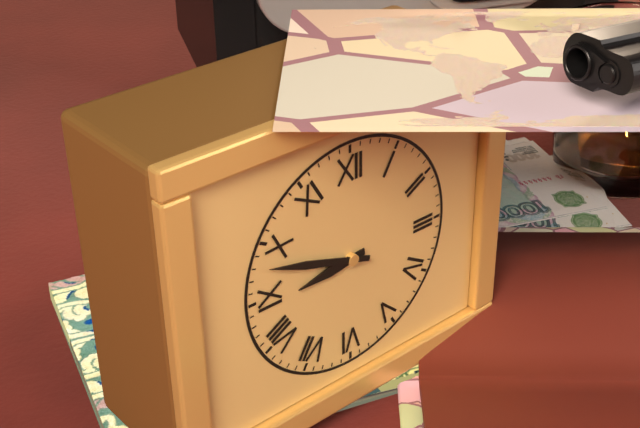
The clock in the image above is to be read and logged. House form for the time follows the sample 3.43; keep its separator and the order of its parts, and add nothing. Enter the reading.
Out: 8.48
